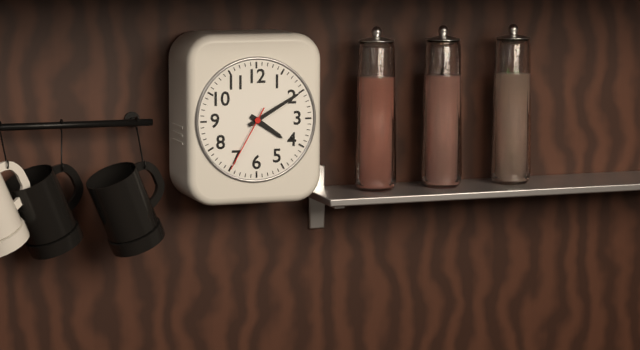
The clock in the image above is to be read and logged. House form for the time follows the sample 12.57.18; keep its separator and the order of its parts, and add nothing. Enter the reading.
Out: 4.10.35
